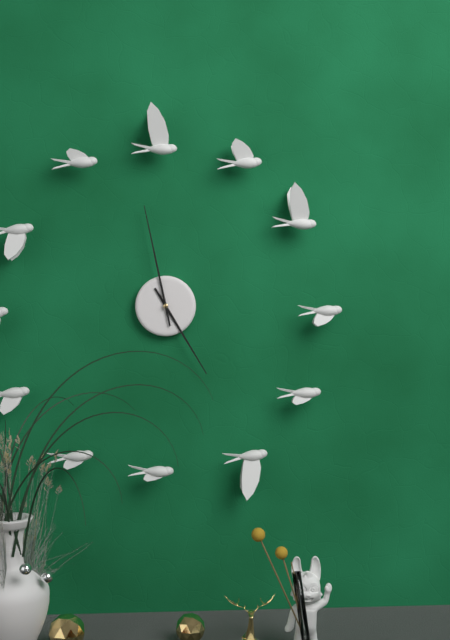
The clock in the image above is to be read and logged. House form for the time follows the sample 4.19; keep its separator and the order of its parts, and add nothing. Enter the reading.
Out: 4.58
